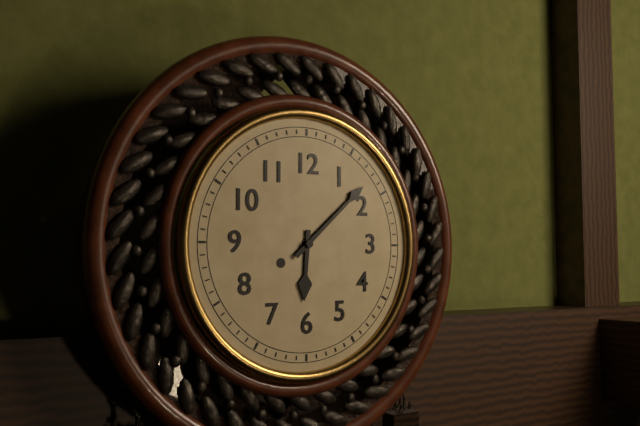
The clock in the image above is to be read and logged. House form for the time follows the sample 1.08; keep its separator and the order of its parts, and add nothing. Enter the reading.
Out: 6.08
